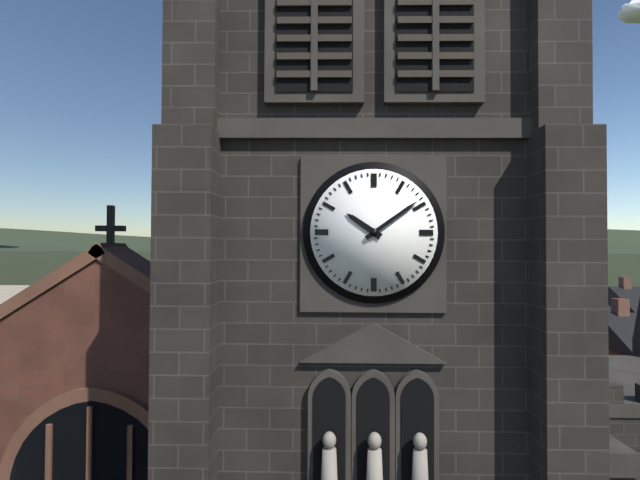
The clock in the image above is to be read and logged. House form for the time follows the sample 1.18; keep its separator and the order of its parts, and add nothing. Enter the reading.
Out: 10.09
